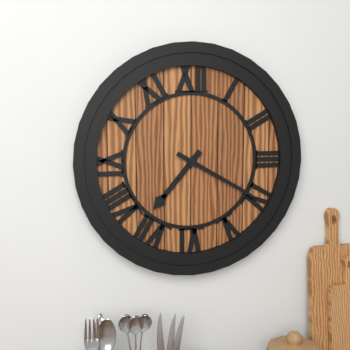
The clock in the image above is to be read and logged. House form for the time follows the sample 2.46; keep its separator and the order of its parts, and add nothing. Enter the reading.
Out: 7.20
